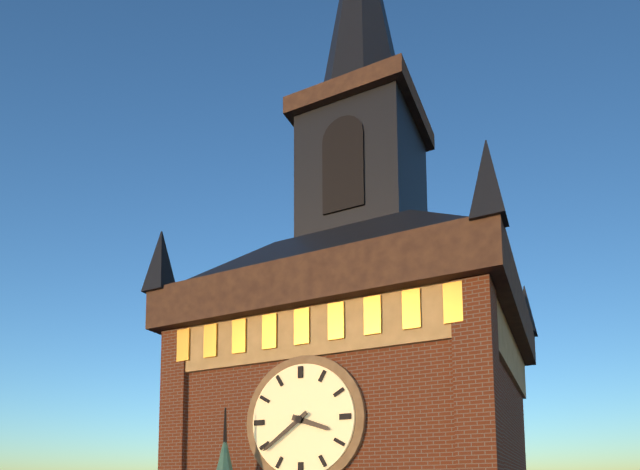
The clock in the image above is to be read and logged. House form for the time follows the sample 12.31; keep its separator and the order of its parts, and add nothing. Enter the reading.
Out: 3.39
